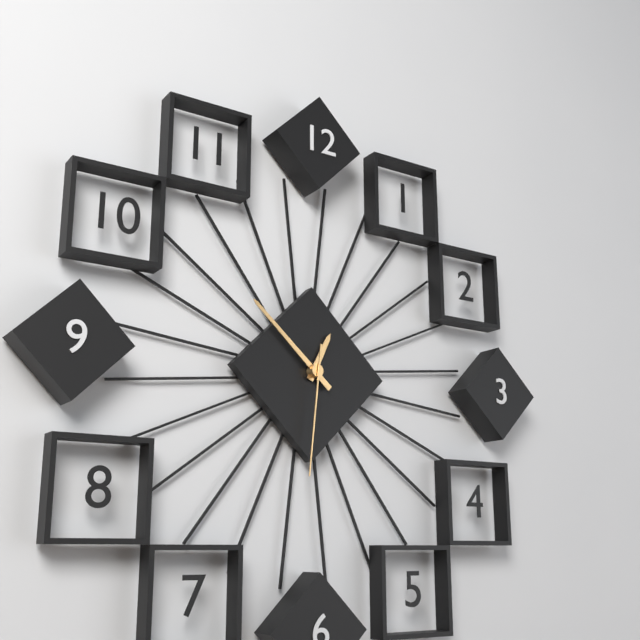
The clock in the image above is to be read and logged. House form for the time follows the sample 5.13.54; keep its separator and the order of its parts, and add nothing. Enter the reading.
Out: 12.52.31
